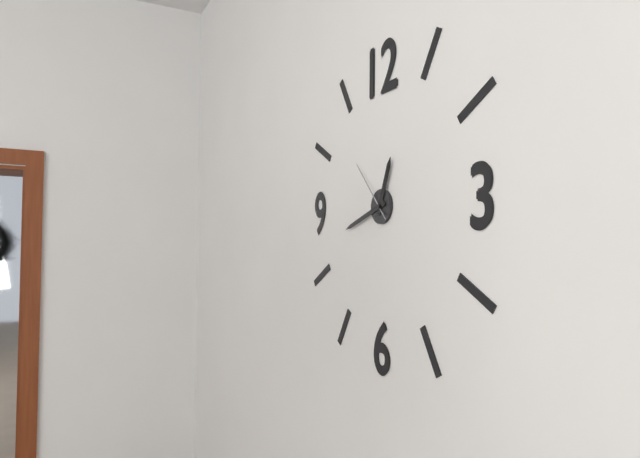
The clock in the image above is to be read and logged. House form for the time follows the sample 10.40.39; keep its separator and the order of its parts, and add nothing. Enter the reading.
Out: 12.42.53
